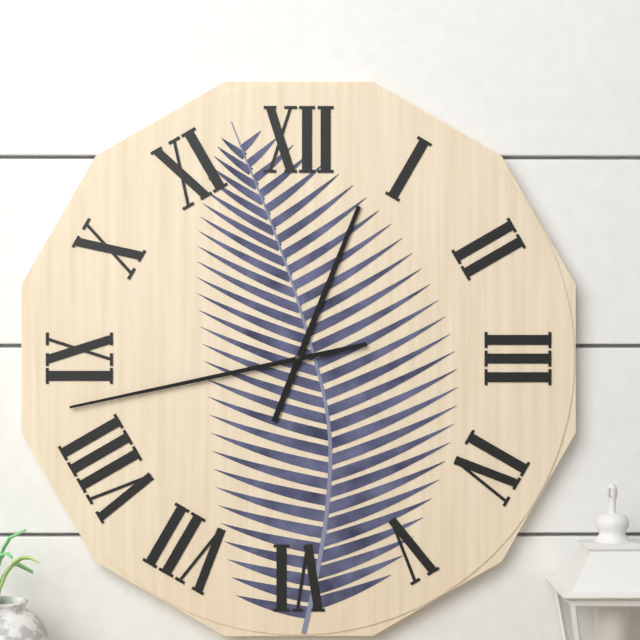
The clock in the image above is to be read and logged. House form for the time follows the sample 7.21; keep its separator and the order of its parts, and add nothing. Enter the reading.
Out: 12.43
